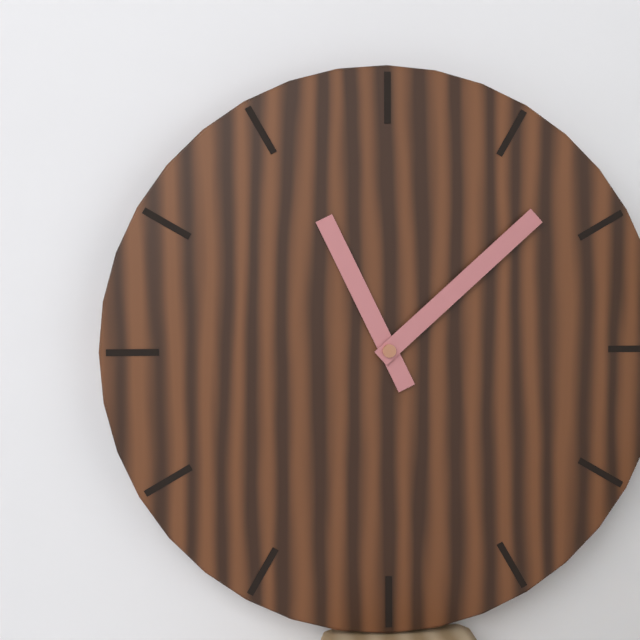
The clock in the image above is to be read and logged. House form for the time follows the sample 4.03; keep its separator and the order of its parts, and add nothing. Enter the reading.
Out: 11.08
